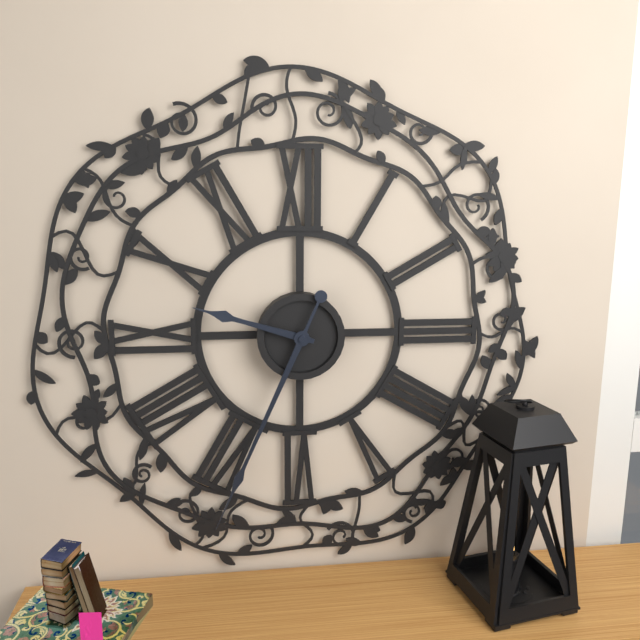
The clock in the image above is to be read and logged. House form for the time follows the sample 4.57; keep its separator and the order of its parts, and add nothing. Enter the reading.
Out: 9.34
